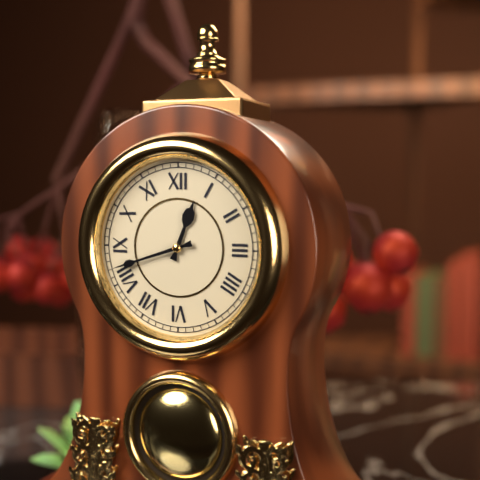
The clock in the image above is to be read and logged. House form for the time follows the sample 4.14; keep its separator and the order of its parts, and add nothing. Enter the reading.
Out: 12.42
